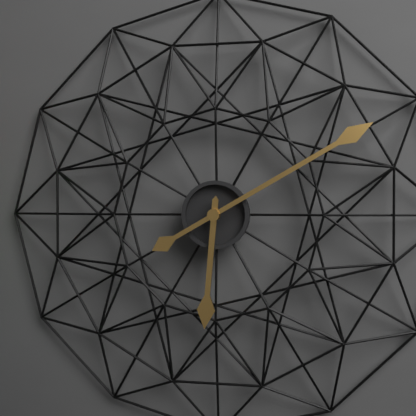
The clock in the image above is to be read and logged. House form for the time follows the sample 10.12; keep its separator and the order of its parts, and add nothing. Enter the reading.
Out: 6.10
